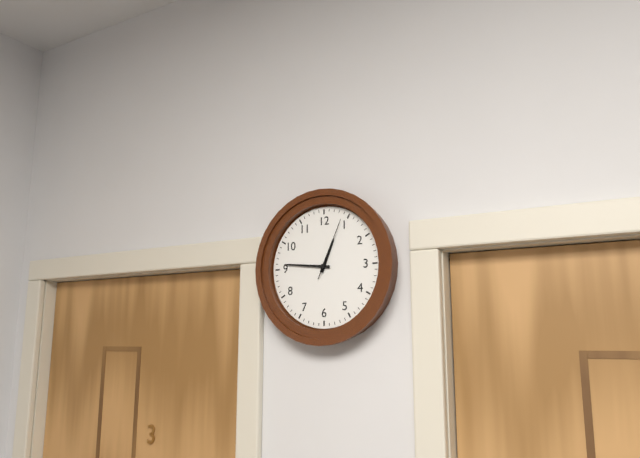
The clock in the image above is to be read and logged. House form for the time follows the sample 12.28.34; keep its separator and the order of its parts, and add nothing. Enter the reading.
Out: 12.46.04
